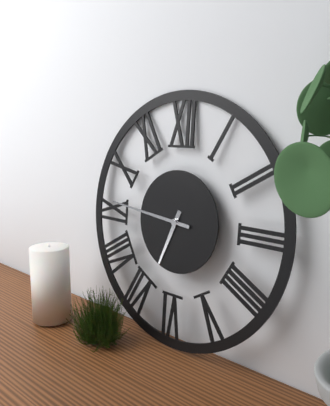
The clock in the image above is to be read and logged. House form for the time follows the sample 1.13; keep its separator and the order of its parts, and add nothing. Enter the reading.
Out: 6.46
